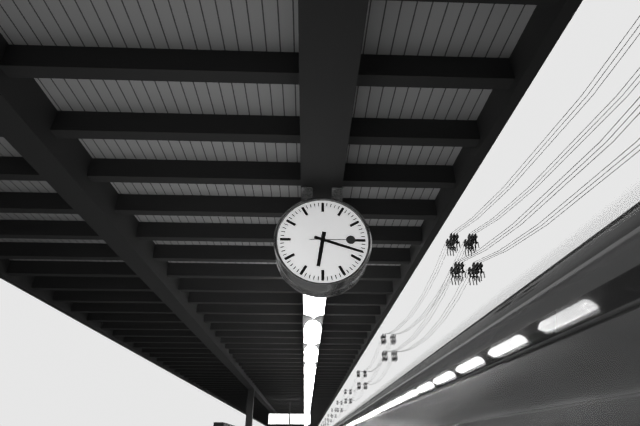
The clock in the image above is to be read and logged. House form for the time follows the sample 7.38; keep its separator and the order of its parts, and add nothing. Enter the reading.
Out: 6.18
